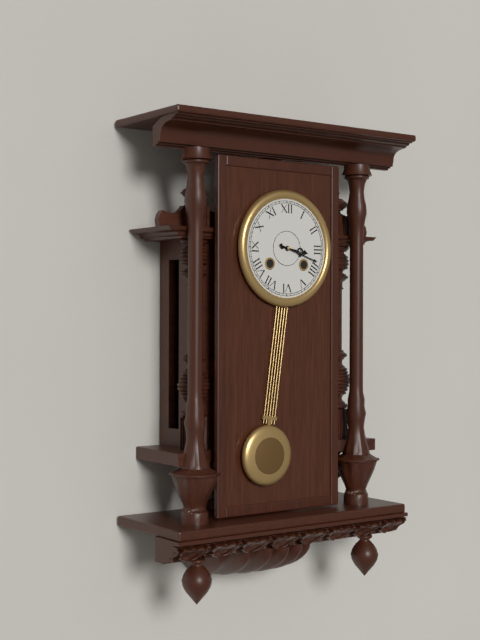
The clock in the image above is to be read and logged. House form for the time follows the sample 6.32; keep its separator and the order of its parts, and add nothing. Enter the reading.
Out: 3.18
